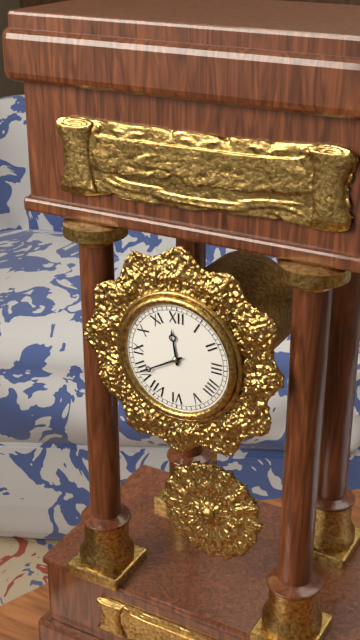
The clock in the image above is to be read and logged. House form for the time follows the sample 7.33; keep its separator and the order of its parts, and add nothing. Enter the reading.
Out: 11.40
